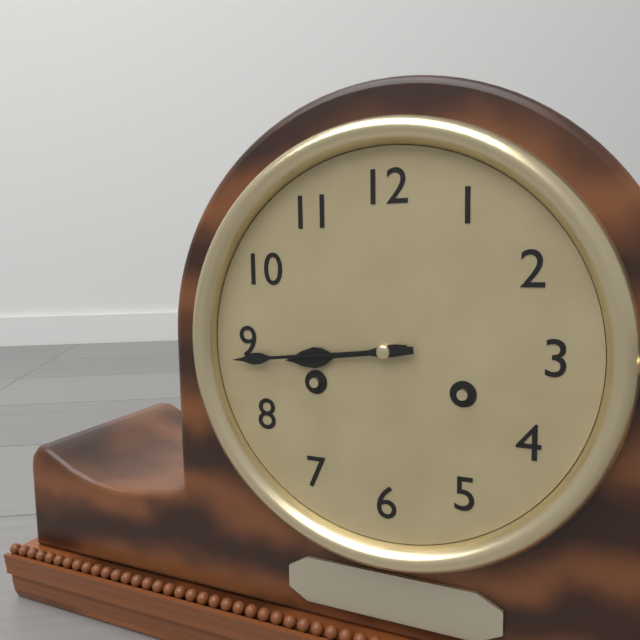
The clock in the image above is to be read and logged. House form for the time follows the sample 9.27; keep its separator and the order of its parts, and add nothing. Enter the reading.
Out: 8.44
